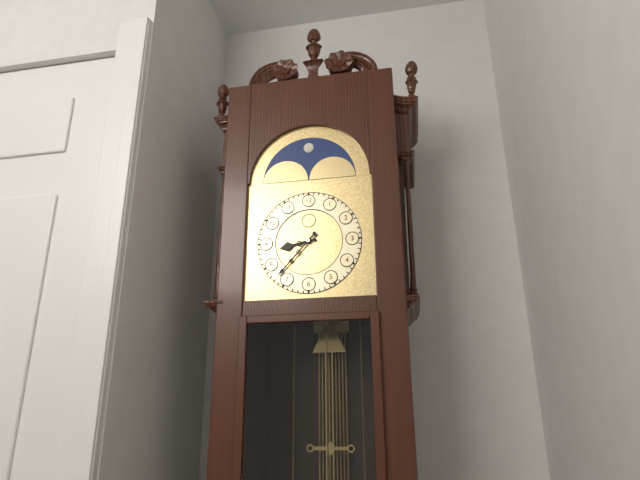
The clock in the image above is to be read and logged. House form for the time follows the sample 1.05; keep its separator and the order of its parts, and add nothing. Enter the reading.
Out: 8.37
